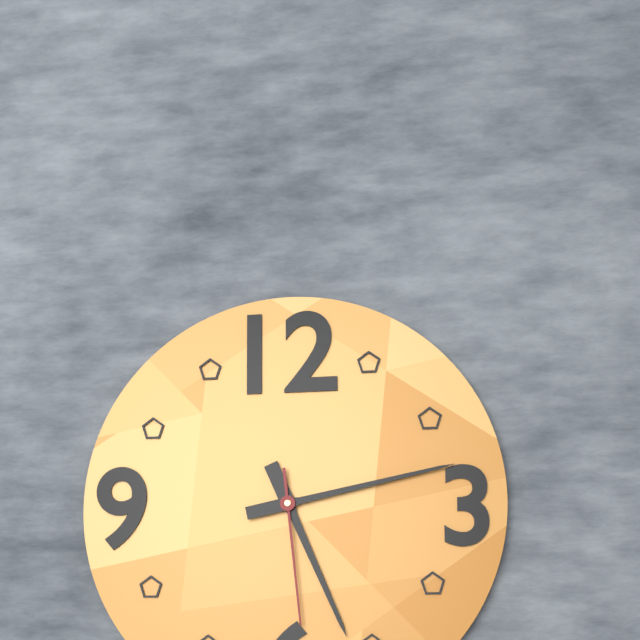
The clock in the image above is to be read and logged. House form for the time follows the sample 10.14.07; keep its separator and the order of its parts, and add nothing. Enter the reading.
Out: 5.13.29
